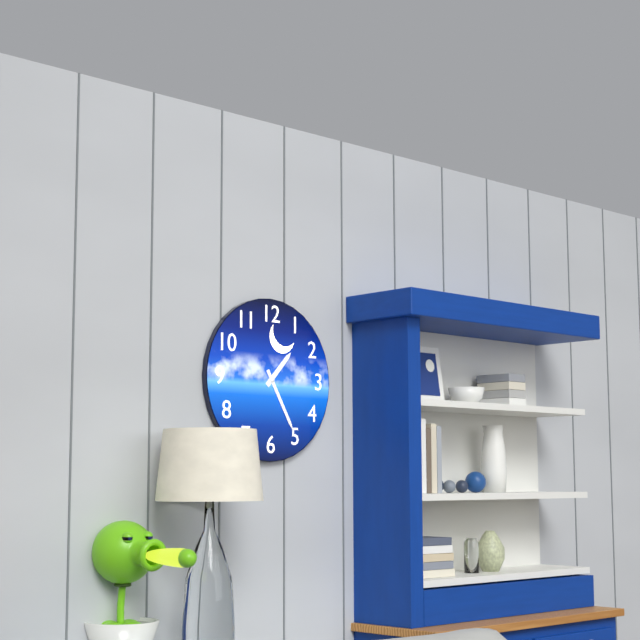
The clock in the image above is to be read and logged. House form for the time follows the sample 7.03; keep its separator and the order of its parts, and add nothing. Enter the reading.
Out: 1.25
